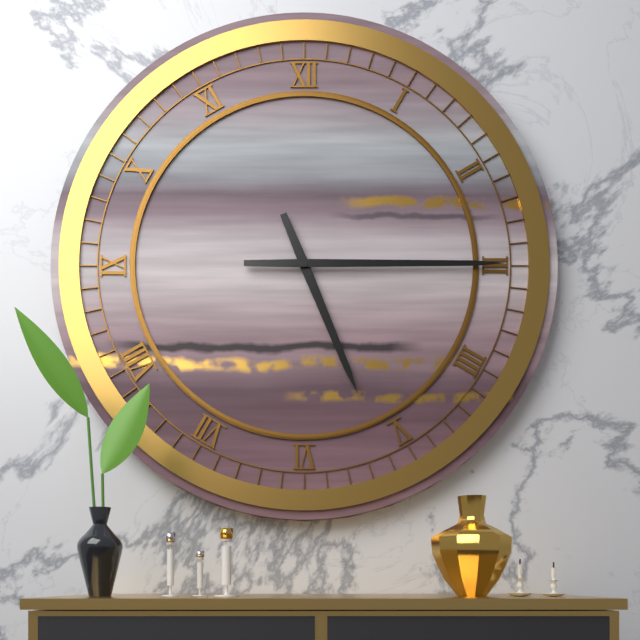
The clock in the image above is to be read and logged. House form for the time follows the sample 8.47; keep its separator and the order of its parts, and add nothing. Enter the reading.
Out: 5.15
